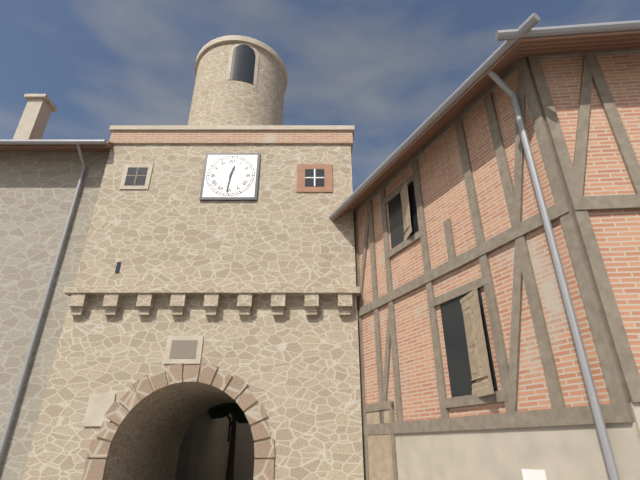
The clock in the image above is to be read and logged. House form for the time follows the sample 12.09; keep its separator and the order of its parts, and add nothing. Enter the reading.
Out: 12.31
